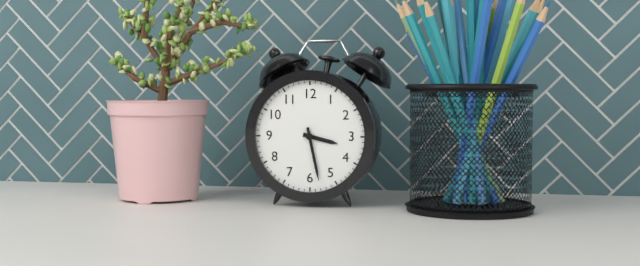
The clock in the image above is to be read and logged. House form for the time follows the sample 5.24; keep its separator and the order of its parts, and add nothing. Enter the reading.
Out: 3.28
